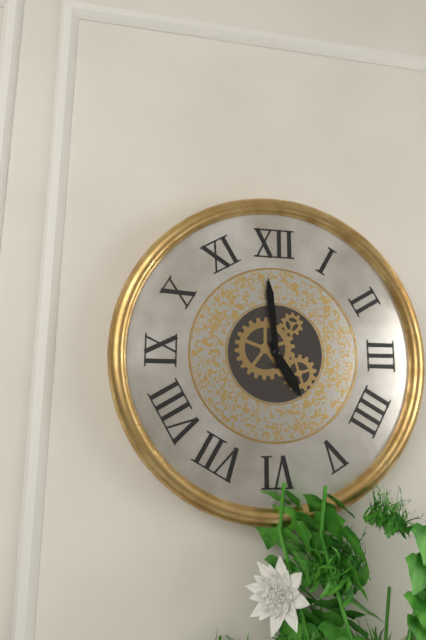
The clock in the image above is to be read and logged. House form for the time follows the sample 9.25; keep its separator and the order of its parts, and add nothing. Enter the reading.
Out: 4.59
